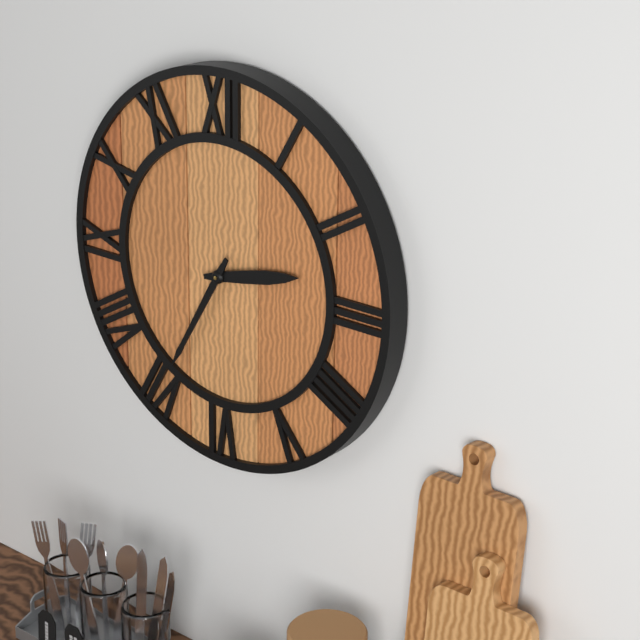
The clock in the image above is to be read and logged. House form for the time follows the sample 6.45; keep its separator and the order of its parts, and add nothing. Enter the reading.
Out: 2.35
